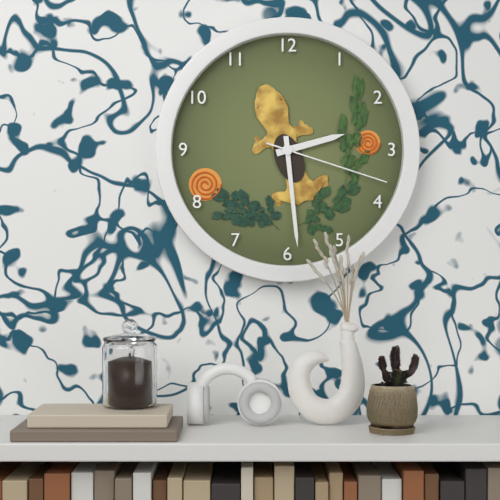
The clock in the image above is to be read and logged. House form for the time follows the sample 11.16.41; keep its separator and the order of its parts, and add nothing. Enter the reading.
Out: 2.29.18
